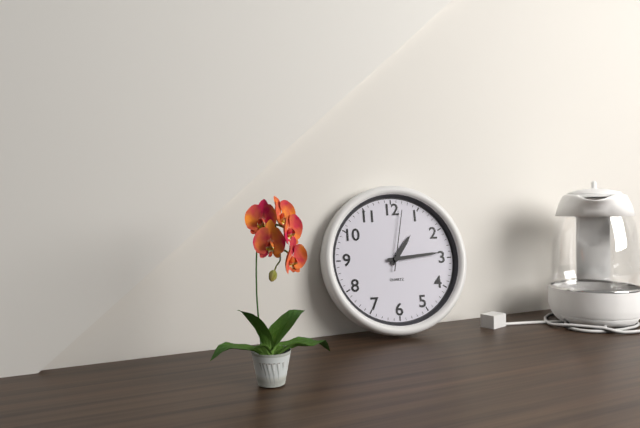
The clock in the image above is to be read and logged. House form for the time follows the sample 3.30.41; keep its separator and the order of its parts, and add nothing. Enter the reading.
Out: 1.14.02
